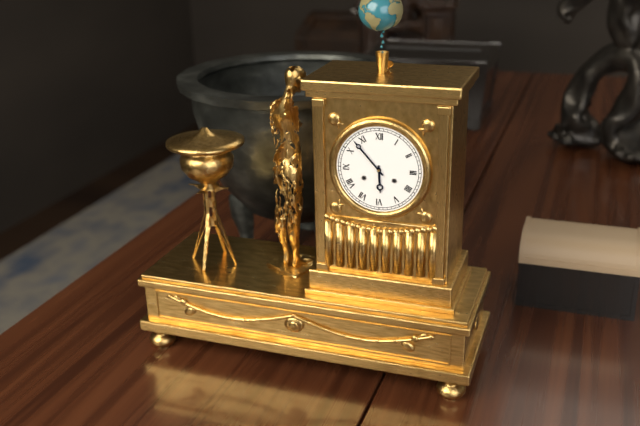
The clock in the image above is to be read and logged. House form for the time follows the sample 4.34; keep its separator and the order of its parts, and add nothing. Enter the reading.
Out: 5.53
